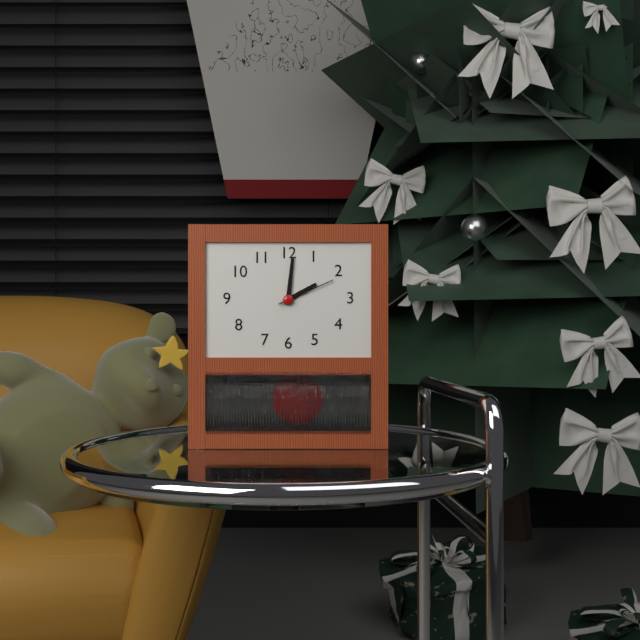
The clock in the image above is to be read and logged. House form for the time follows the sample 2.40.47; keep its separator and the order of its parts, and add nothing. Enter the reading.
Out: 2.01.11
